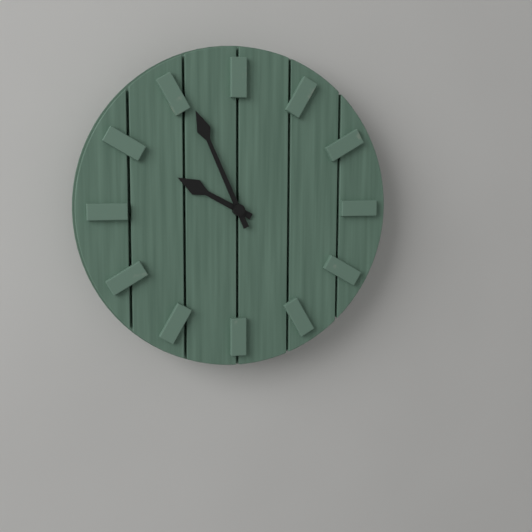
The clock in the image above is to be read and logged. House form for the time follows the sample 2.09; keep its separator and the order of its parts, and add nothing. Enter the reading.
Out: 9.56
